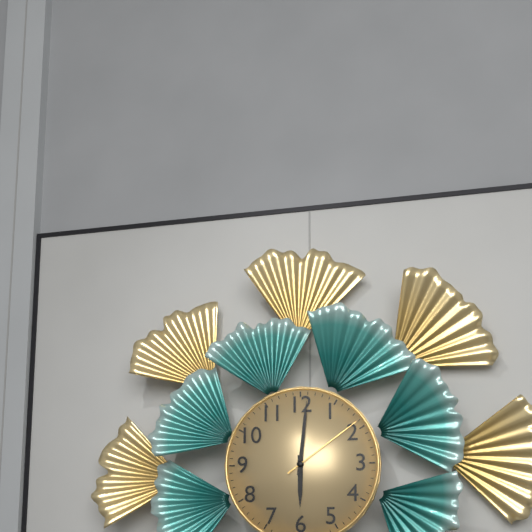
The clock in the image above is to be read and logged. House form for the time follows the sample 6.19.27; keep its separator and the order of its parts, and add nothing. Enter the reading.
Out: 6.01.09
